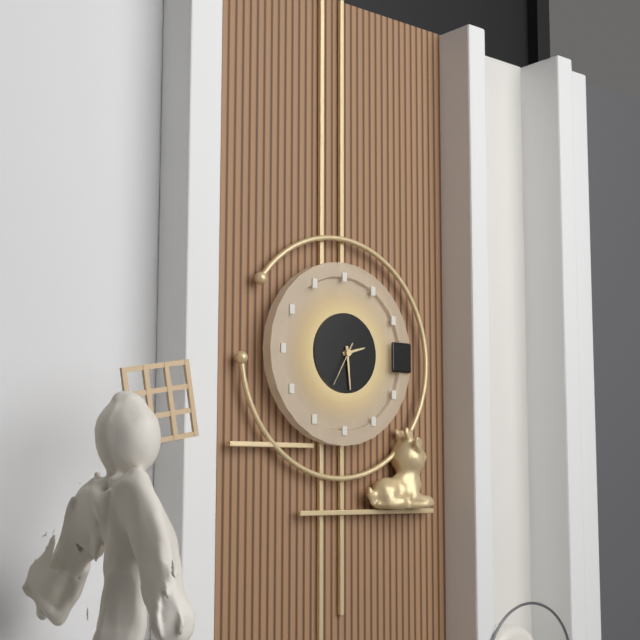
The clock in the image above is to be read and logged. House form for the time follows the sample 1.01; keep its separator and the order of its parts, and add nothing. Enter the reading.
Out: 2.29
